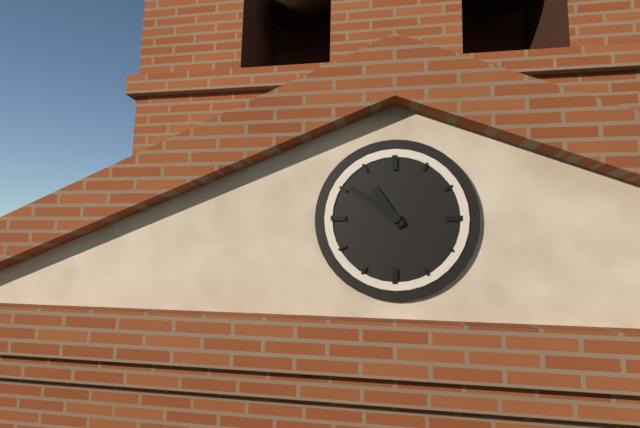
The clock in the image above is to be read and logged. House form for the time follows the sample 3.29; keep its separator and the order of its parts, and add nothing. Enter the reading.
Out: 10.51
